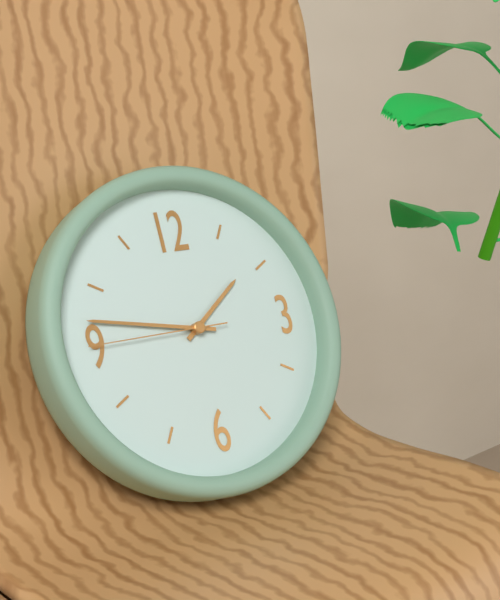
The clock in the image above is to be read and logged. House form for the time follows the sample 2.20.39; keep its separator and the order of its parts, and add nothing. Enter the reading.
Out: 1.47.45
